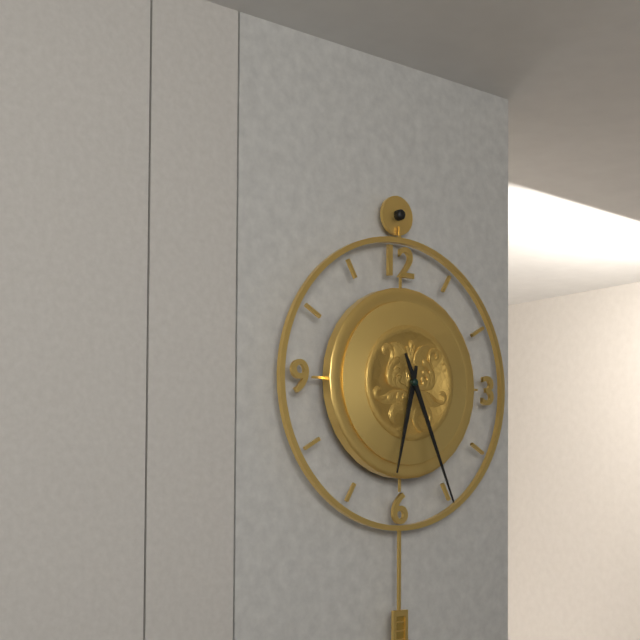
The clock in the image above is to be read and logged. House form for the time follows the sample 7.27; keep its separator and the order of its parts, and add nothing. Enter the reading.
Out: 6.26
